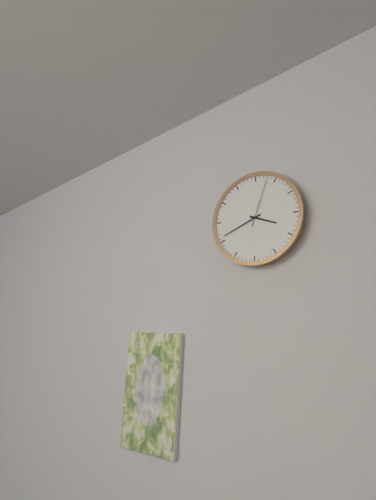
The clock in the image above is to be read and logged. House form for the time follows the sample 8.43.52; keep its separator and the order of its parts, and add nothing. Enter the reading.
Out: 3.41.03
